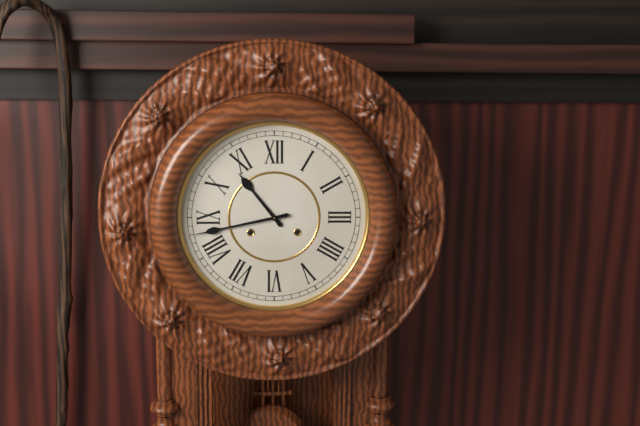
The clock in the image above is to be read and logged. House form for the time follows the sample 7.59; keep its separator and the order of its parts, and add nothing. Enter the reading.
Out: 10.43
